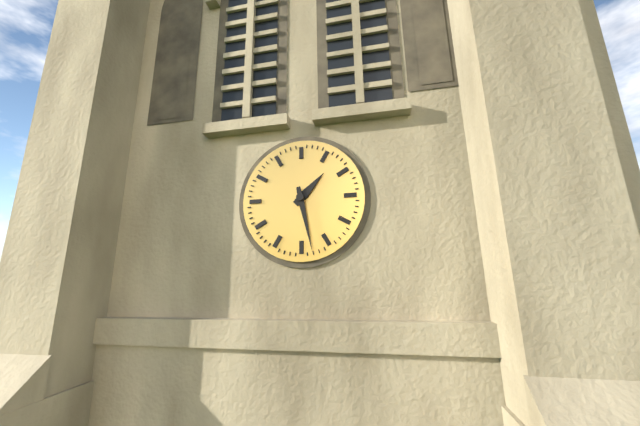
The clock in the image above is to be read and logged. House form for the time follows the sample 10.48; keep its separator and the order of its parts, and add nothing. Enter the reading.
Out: 1.28
